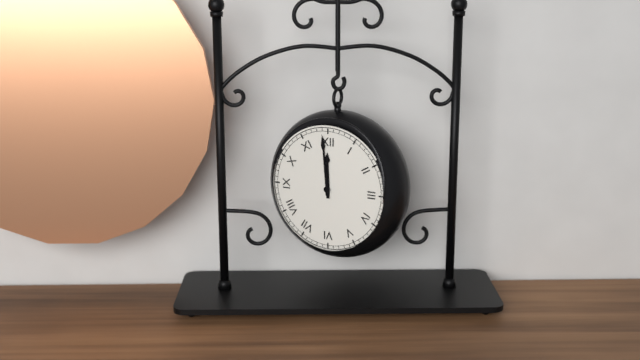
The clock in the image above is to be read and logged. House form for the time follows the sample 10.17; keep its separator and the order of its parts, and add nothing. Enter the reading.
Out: 11.59
